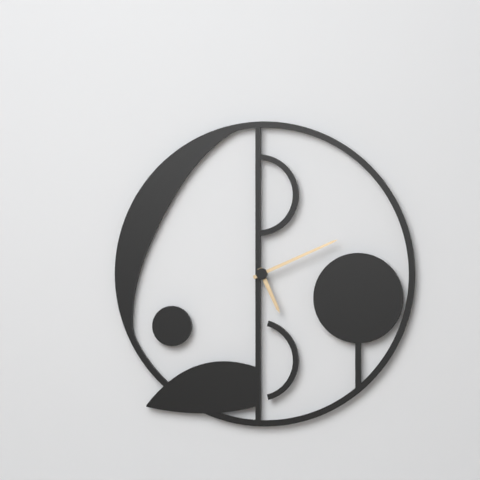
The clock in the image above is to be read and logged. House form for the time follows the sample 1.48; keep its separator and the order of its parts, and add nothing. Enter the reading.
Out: 5.11
